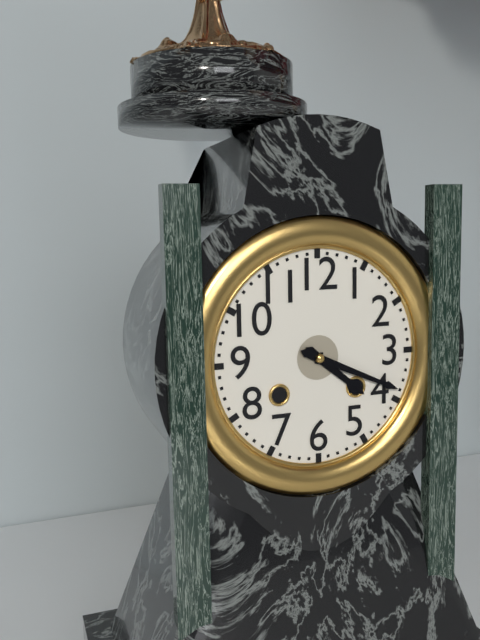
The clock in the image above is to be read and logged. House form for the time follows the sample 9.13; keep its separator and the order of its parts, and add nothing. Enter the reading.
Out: 4.19
